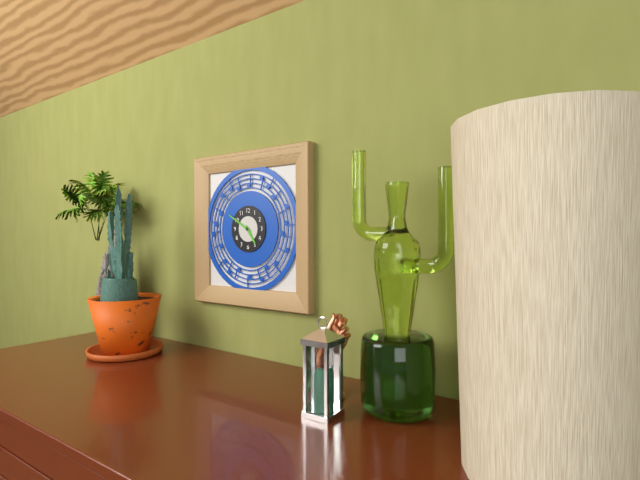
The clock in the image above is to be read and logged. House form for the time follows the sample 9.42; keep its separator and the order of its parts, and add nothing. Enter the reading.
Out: 4.50
